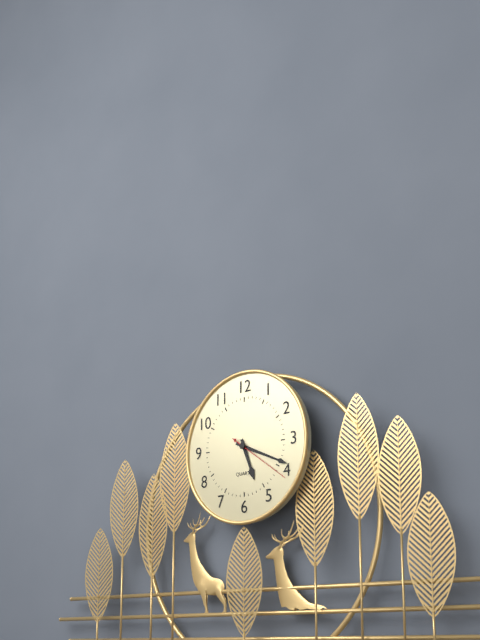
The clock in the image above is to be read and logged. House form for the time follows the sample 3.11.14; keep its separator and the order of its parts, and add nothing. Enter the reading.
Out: 5.19.21
